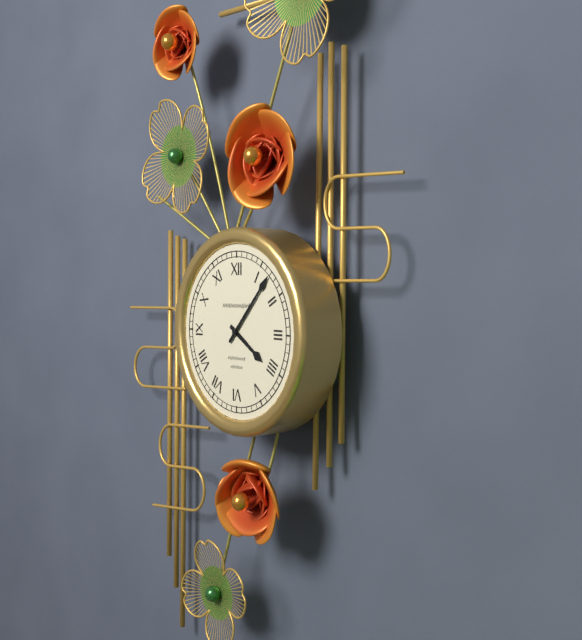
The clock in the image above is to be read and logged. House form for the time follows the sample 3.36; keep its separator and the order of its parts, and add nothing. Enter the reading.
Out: 4.07
